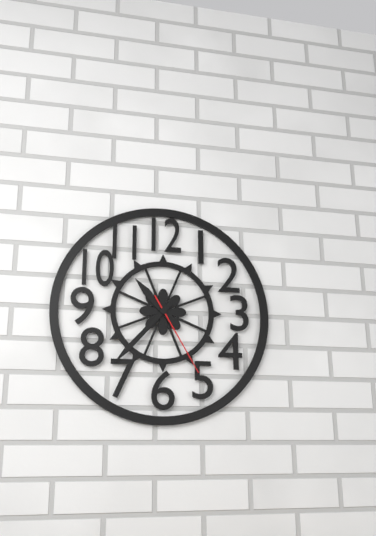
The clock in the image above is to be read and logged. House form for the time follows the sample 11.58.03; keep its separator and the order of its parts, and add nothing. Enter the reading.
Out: 10.37.25
